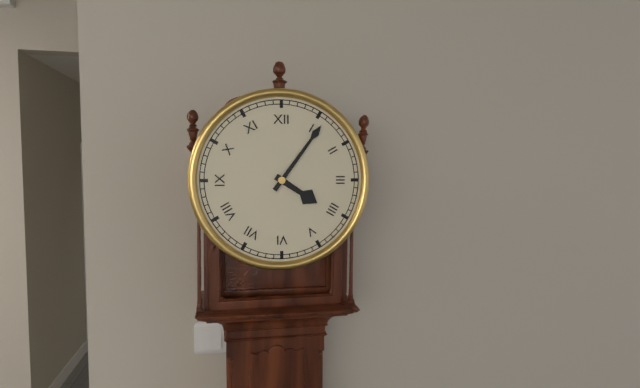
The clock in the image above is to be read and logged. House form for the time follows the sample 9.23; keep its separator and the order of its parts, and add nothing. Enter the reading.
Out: 4.06
